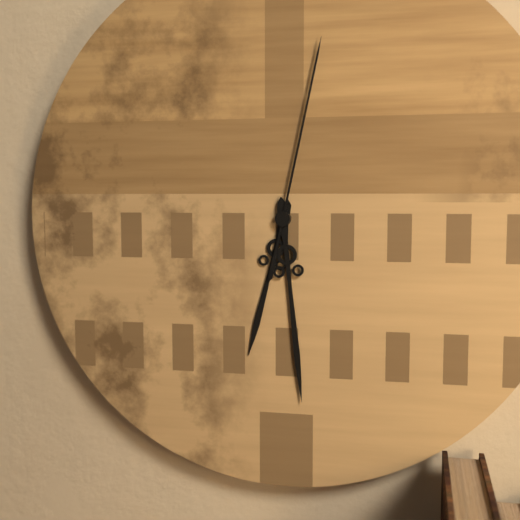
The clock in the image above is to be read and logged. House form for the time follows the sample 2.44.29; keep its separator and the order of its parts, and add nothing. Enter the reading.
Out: 6.29.02
